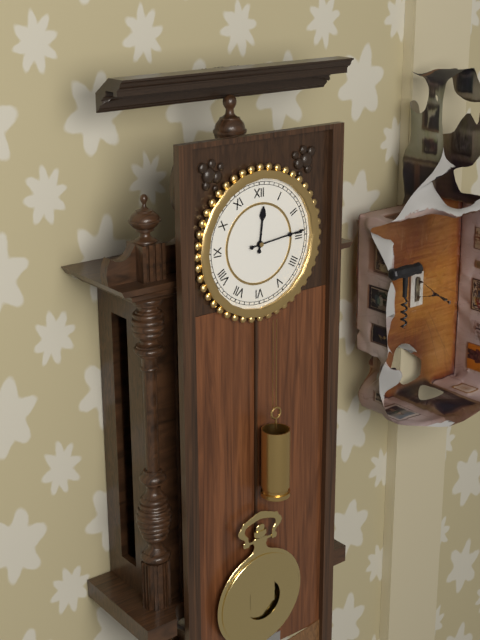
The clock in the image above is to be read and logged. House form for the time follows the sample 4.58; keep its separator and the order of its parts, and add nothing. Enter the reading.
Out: 12.14
